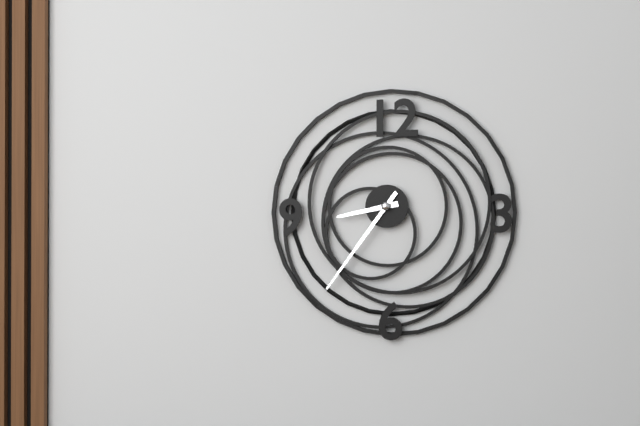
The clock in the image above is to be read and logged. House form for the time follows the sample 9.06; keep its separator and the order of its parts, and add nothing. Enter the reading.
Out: 8.36
